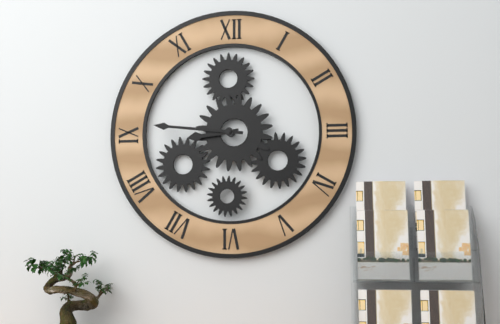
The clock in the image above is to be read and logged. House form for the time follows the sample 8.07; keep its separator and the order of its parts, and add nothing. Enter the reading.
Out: 8.46
